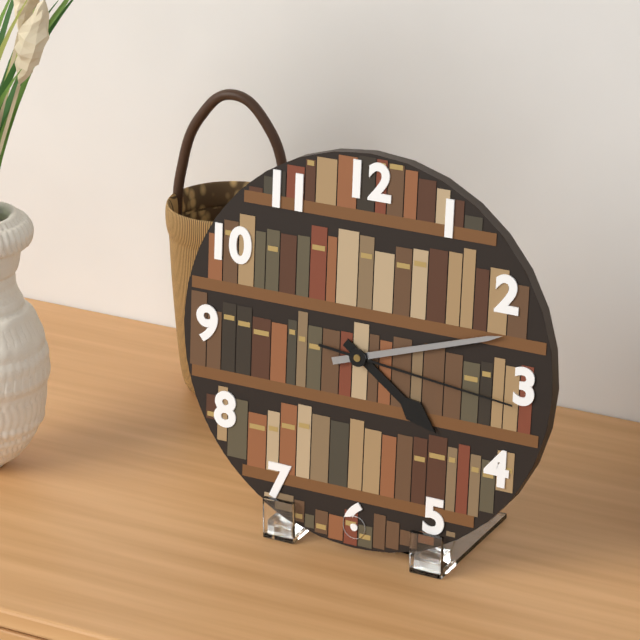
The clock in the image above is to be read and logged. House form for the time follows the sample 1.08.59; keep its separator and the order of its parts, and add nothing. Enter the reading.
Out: 4.12.16
